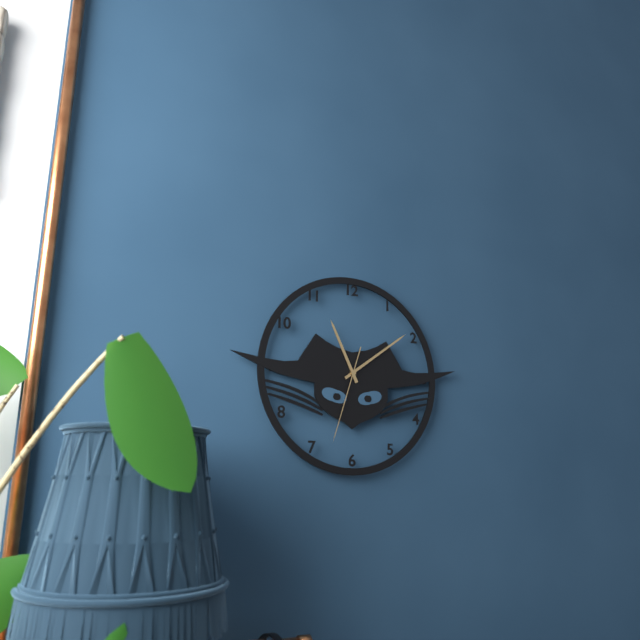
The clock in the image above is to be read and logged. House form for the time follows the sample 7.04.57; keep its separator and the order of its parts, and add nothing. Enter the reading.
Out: 11.09.33
